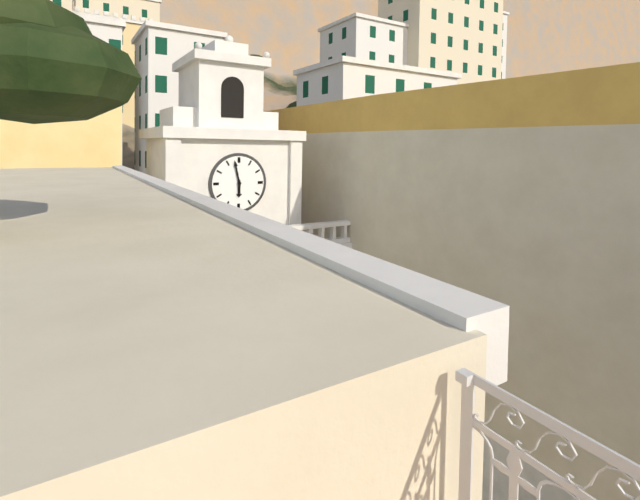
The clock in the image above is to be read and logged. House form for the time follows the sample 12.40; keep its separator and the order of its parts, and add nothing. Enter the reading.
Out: 5.58
